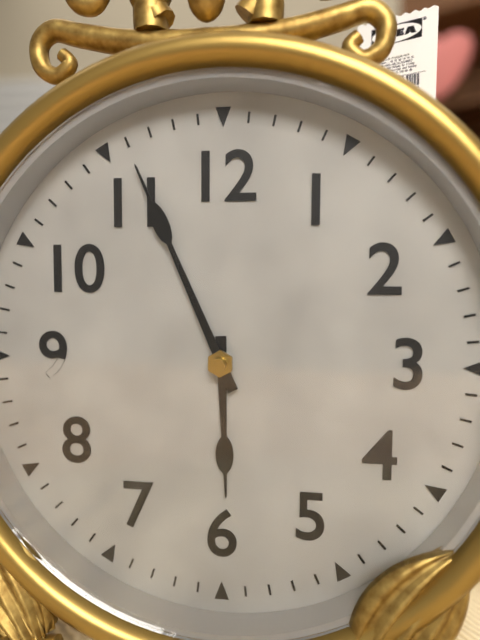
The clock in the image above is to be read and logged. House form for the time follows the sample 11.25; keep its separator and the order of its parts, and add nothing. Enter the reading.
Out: 5.56
